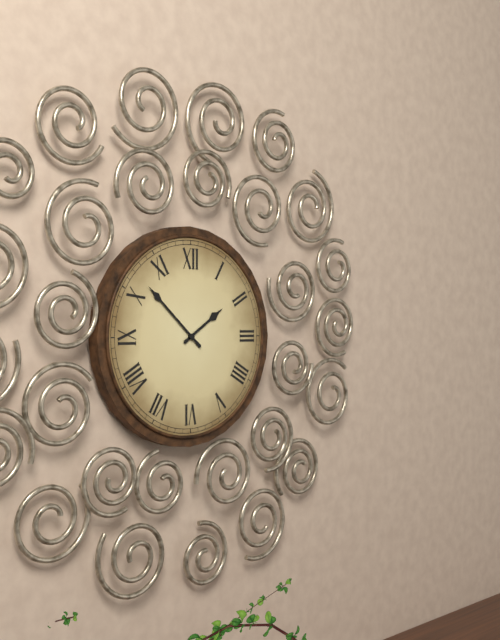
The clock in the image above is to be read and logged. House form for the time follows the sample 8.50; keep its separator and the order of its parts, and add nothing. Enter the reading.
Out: 1.52
